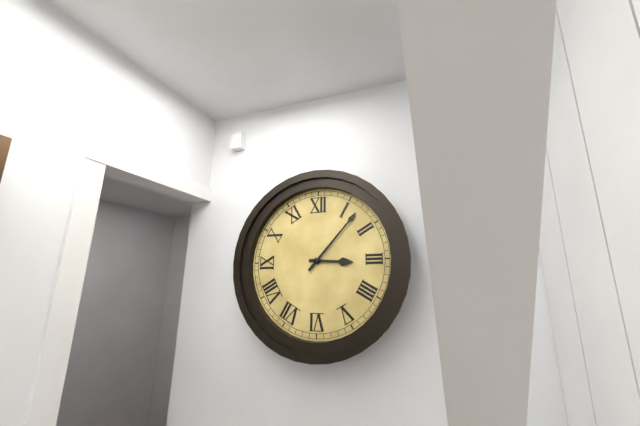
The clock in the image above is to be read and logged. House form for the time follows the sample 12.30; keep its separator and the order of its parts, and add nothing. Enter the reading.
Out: 3.07
